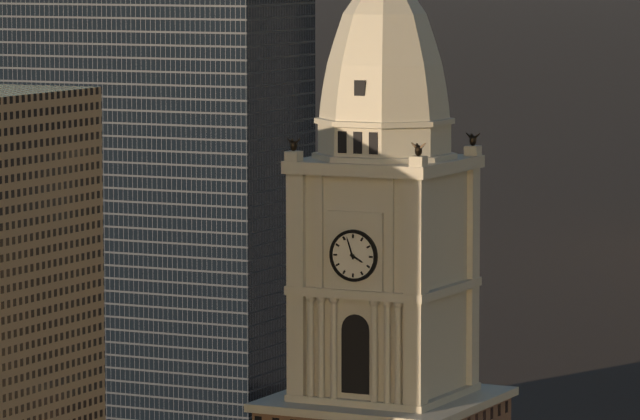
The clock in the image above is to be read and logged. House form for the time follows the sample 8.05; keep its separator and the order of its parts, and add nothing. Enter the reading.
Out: 3.57
